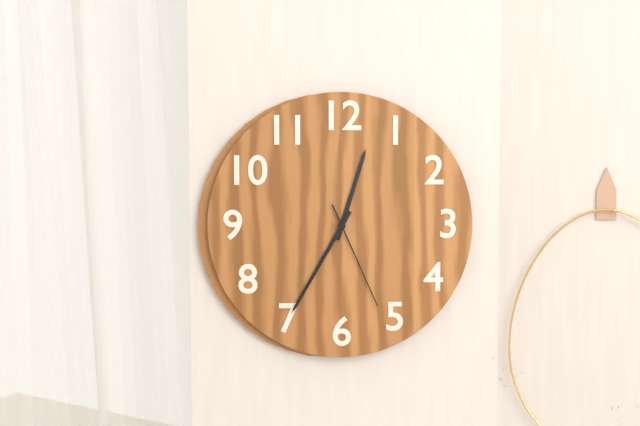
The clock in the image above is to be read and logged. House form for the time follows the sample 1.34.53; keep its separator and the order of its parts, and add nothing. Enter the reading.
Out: 12.35.26
